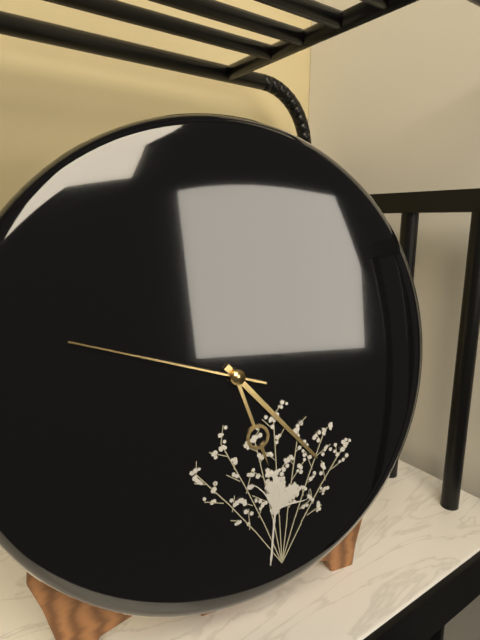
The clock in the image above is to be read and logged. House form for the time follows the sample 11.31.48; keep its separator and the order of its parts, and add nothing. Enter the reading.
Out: 5.23.48
